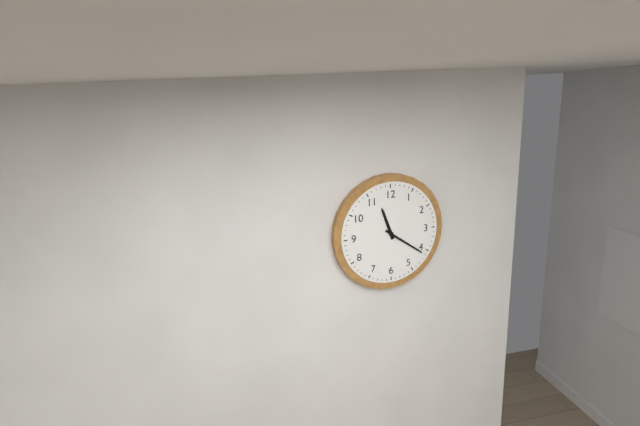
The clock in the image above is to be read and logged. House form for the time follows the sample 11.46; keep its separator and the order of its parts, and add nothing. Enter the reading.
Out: 11.21
